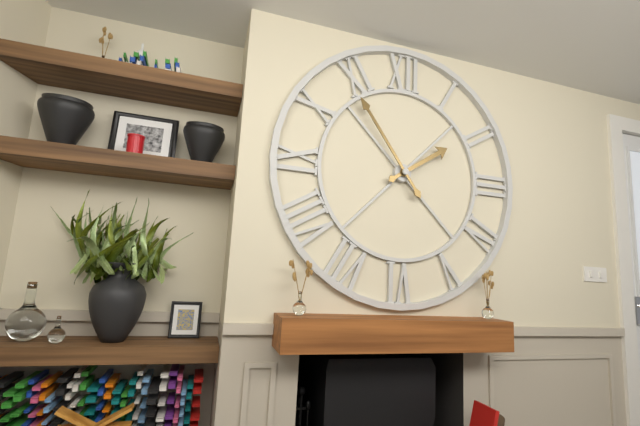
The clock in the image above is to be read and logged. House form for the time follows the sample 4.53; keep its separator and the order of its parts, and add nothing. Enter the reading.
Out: 1.54
